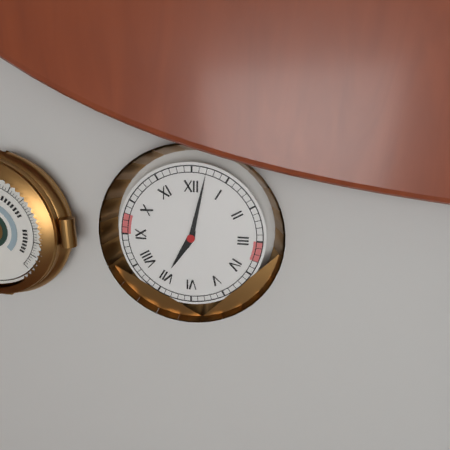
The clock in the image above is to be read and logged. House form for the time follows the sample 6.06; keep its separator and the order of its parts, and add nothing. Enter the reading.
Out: 7.02
